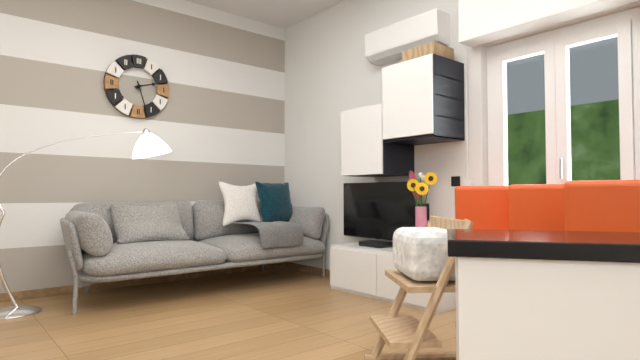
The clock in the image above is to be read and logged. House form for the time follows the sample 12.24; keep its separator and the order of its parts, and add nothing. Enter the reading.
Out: 2.27
